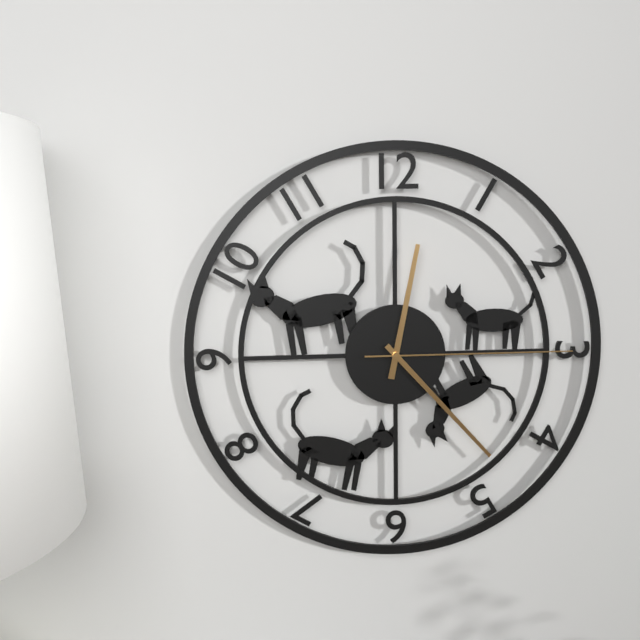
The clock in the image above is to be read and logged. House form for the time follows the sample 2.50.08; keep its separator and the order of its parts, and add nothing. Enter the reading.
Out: 12.23.15
